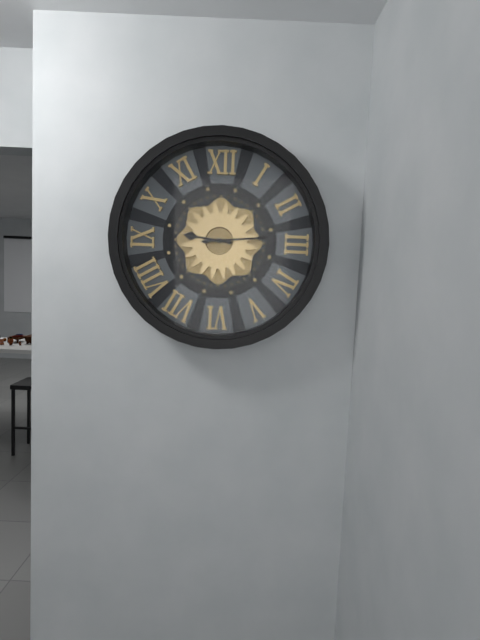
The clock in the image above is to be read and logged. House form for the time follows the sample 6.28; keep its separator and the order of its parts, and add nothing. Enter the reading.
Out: 9.14
